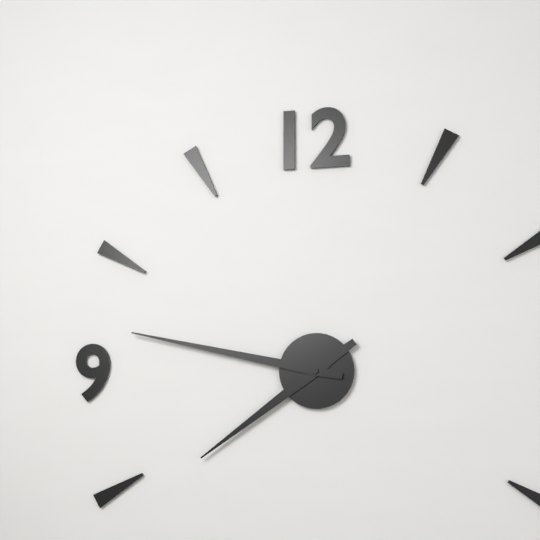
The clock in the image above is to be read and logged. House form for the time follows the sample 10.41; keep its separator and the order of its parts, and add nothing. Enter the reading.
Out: 7.47
